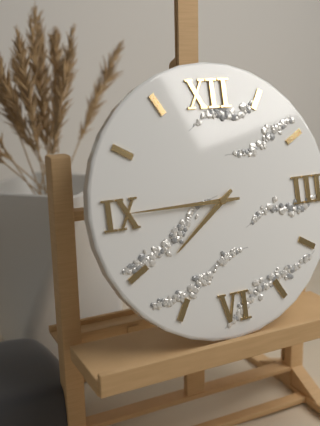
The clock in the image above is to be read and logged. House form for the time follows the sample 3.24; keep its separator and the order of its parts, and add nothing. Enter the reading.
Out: 7.45
